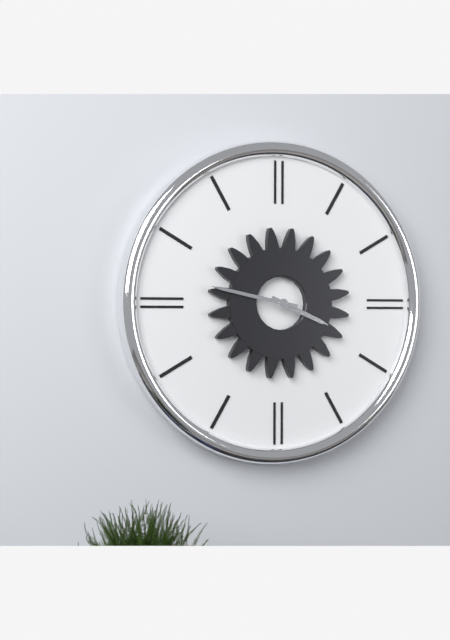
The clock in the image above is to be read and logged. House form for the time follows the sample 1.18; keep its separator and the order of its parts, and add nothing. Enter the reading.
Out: 3.47
